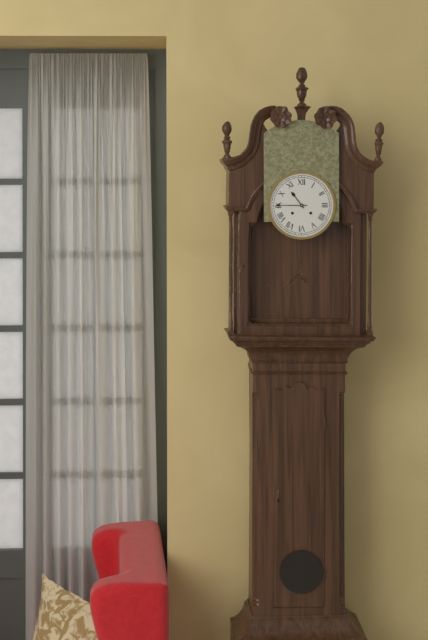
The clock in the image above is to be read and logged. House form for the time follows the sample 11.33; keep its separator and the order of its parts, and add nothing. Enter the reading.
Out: 10.45
